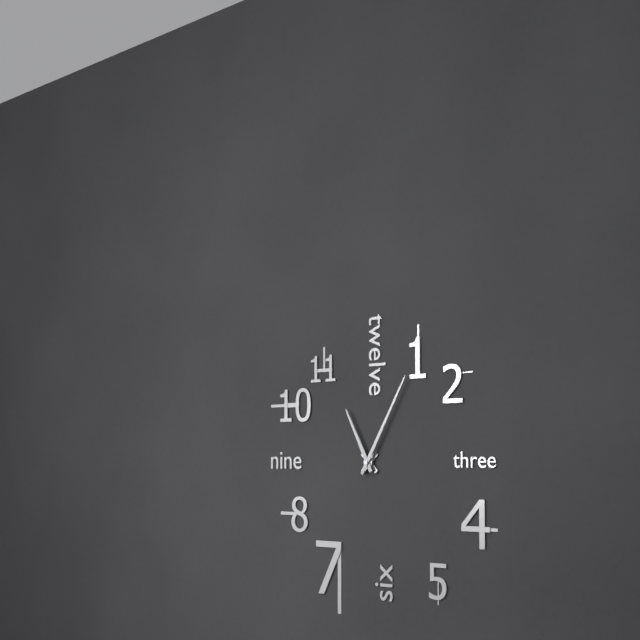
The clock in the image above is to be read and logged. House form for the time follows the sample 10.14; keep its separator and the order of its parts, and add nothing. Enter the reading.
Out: 11.05
